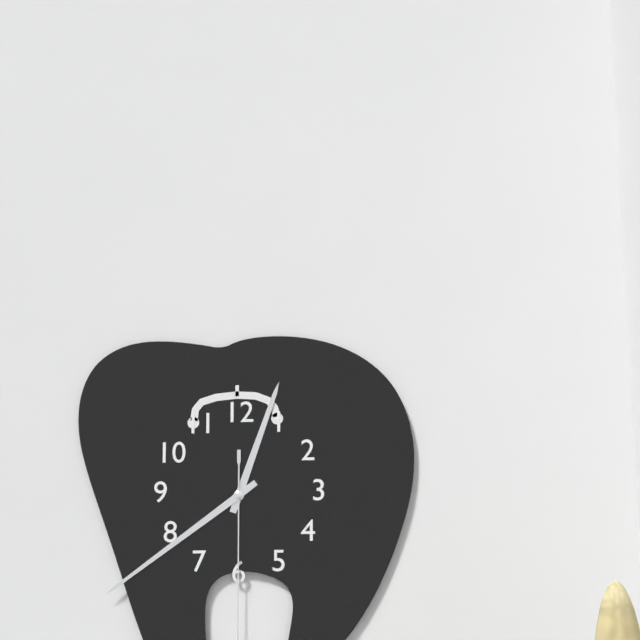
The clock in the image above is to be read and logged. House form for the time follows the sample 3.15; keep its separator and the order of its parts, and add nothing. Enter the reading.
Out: 12.39
